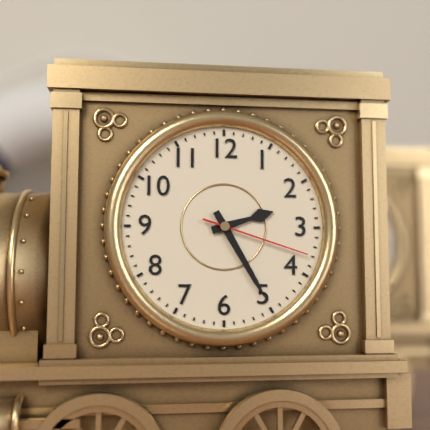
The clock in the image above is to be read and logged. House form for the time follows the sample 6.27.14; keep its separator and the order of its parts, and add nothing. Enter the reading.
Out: 2.25.18
